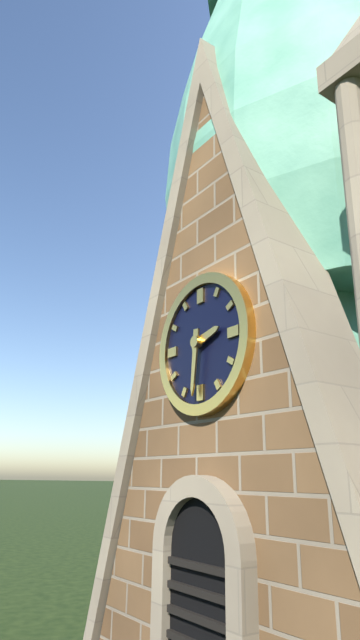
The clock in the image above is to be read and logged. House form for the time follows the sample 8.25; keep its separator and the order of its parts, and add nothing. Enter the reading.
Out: 2.31
